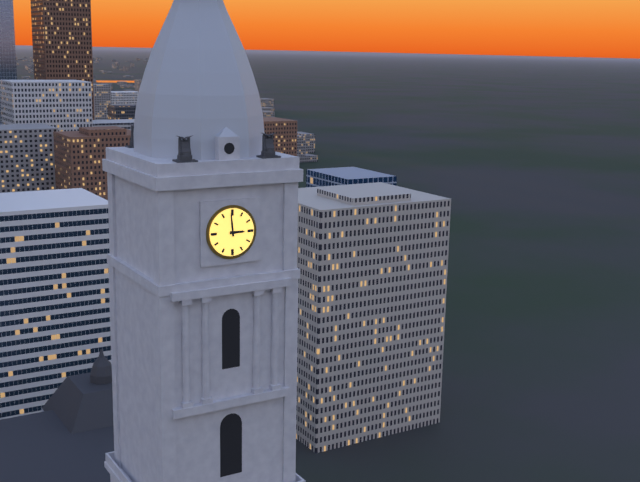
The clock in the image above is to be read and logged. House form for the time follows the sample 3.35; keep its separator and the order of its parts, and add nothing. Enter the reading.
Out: 2.59
